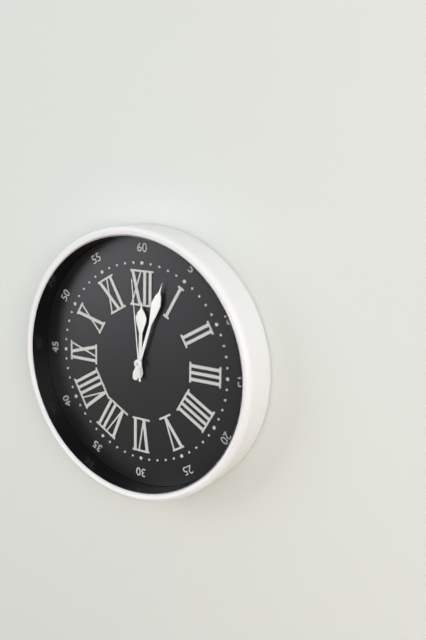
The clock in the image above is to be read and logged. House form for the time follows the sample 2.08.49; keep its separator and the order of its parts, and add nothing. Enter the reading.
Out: 12.03.59
